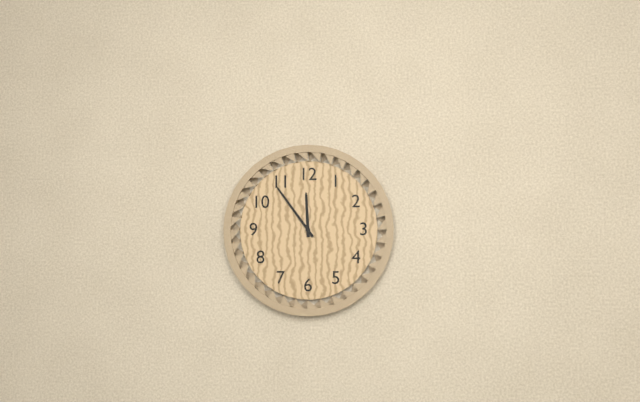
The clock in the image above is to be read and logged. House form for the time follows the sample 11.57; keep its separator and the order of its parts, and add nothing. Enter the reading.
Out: 11.54
